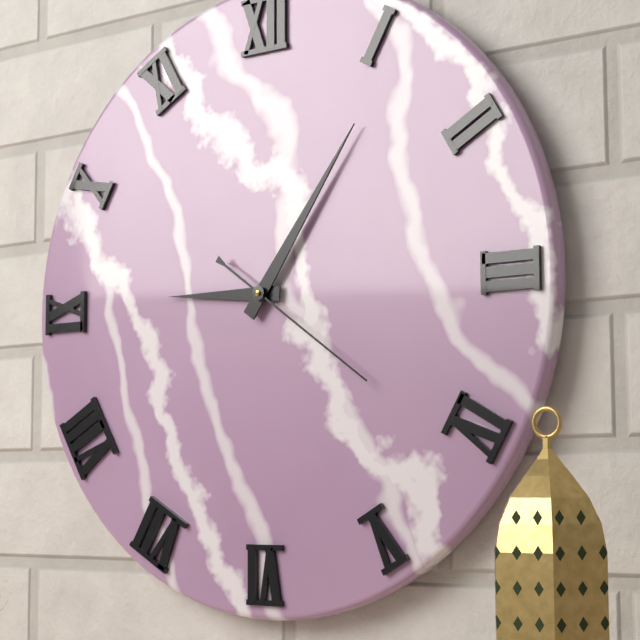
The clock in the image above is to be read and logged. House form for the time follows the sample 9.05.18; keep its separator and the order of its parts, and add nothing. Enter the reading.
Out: 9.06.21
